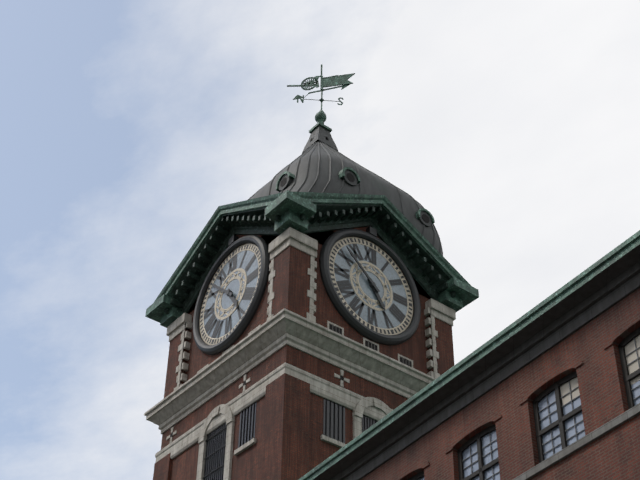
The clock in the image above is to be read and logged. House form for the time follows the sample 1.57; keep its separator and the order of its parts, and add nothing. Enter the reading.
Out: 4.52
